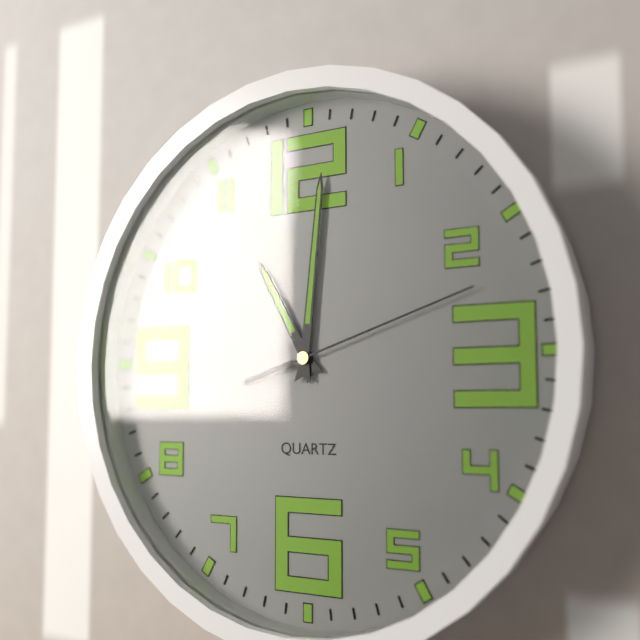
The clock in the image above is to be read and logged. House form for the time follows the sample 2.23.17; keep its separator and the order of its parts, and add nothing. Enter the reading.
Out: 11.01.12
